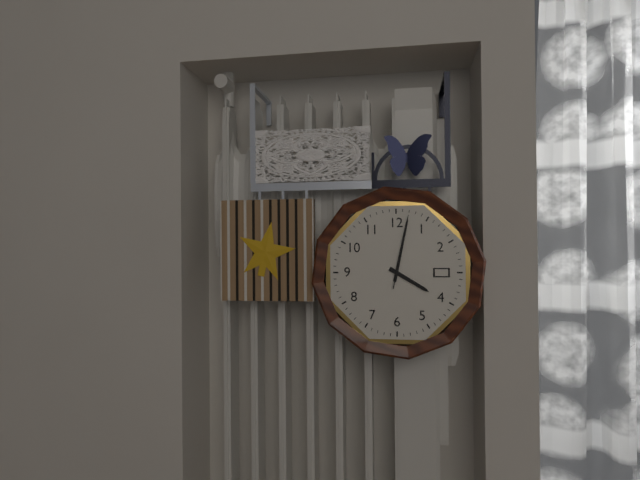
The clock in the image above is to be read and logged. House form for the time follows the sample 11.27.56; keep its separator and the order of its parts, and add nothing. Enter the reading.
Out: 4.02.02
